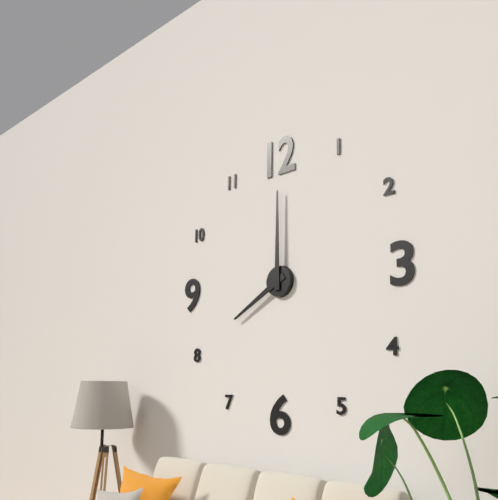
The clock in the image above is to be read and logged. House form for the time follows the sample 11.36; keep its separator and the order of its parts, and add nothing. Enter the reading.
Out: 8.00
